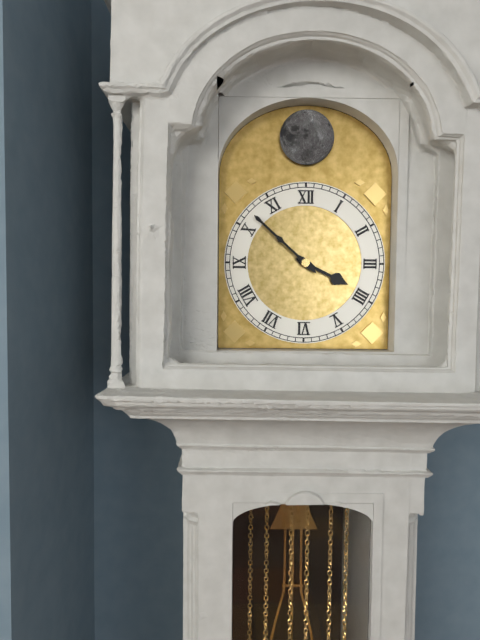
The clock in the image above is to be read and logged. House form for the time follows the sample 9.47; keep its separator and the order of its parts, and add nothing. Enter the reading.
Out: 3.52
